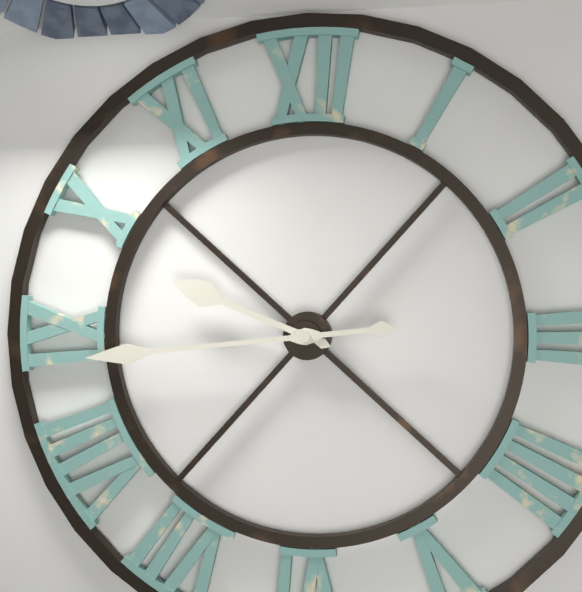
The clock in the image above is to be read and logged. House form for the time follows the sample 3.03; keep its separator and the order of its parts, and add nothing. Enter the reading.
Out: 9.44
